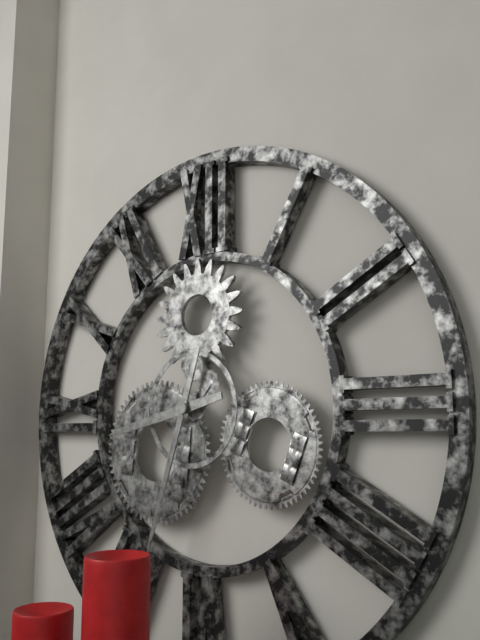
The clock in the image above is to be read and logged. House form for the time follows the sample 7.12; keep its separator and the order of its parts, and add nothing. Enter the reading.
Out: 8.33
